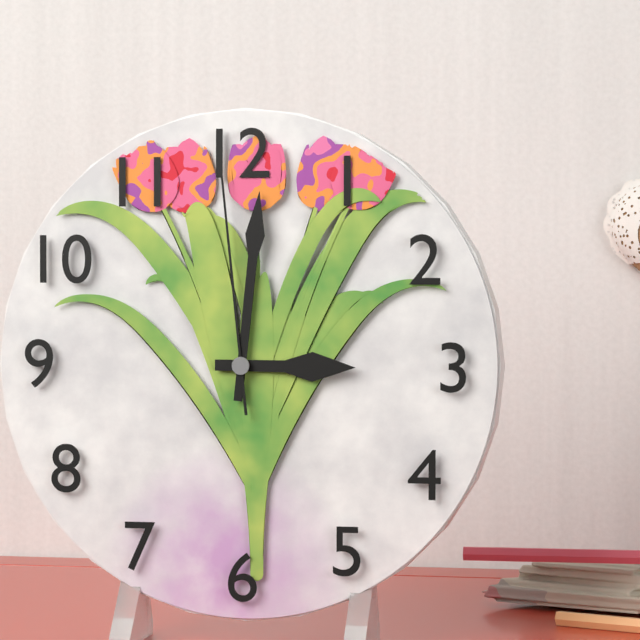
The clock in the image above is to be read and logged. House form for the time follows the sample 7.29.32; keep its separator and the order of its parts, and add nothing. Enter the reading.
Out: 3.01.59
